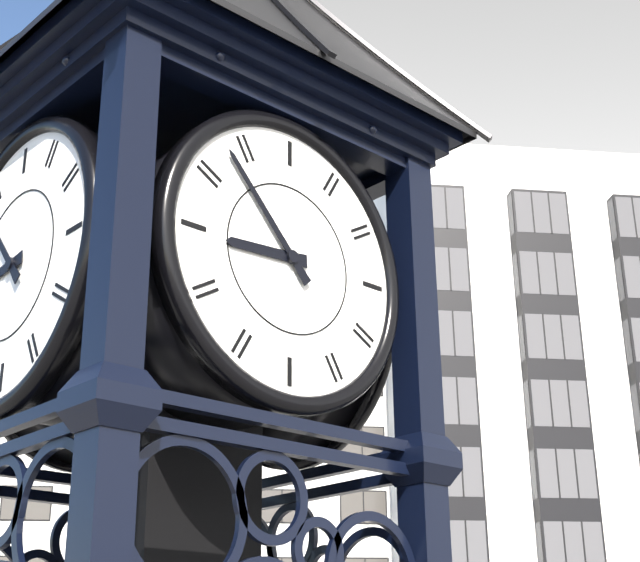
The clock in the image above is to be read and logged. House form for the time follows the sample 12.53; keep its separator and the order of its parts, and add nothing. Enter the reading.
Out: 8.53
